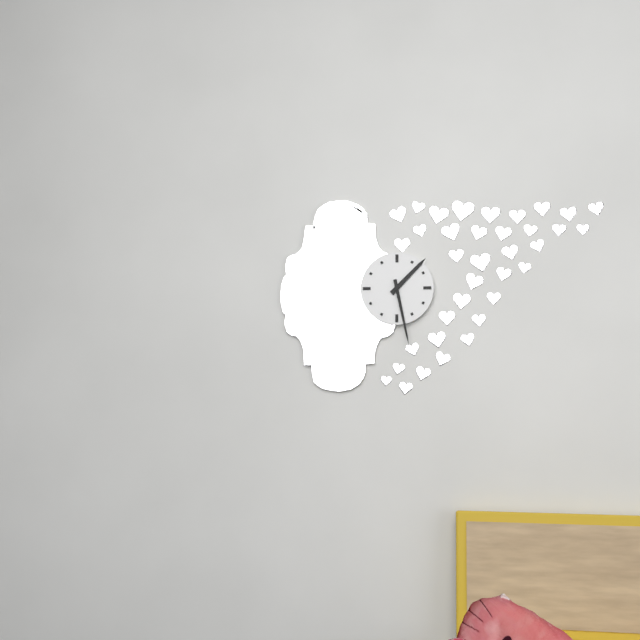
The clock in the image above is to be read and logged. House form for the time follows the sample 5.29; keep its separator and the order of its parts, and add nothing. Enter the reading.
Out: 1.28
